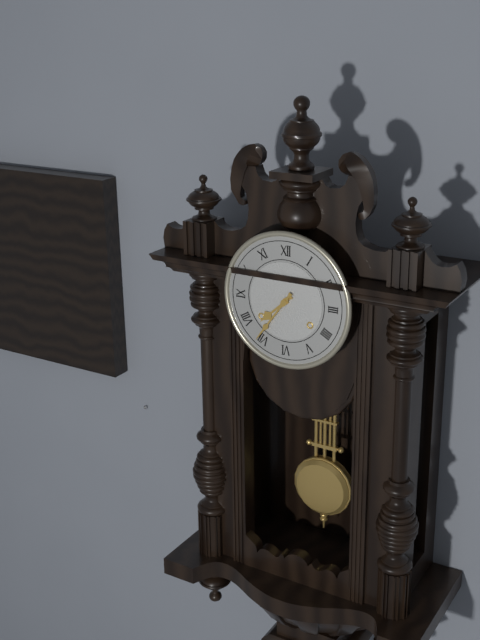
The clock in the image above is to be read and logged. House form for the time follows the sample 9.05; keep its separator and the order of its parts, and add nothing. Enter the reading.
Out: 7.36
